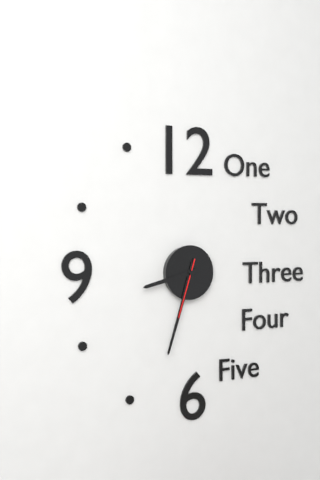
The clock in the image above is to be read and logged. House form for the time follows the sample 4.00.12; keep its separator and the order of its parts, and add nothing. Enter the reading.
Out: 8.33.33
